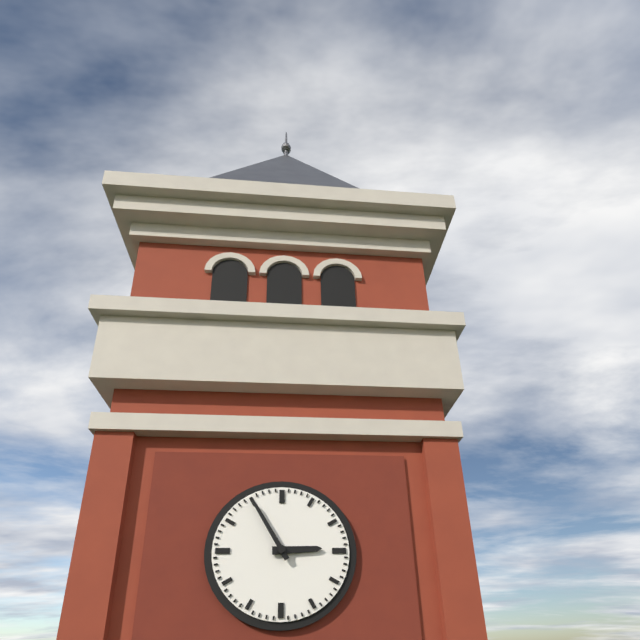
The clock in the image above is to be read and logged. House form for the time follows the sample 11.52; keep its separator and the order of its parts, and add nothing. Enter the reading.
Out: 2.55
